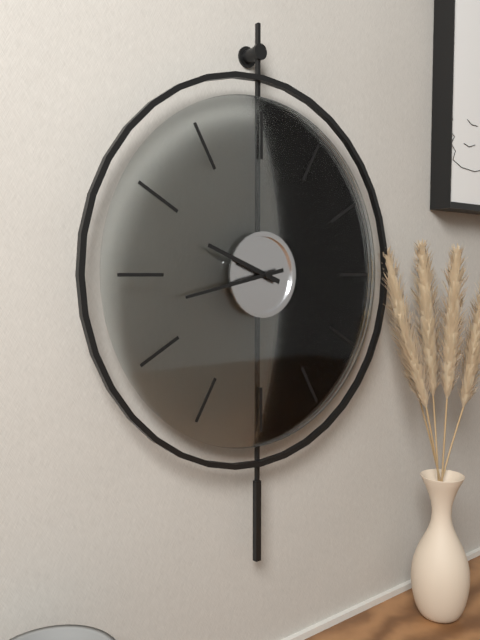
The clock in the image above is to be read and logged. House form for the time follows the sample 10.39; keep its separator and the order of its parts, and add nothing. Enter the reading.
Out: 9.43
